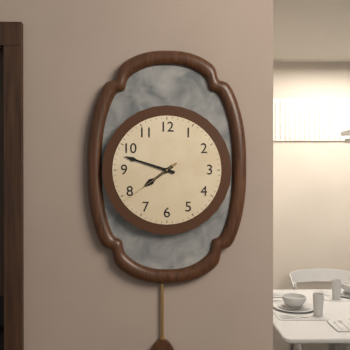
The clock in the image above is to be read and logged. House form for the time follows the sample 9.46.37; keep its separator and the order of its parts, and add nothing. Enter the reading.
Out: 7.48.39
